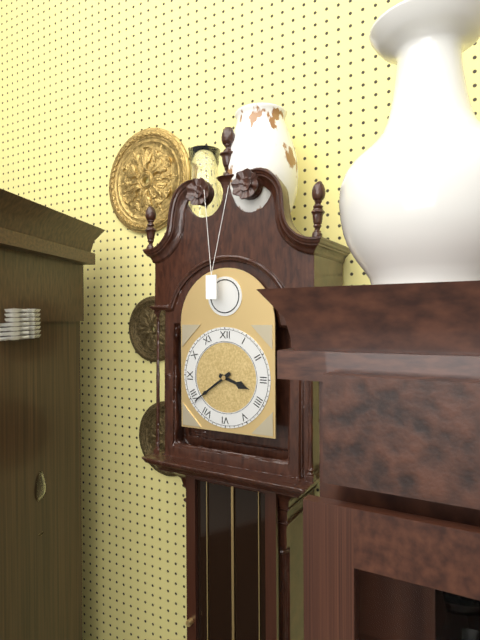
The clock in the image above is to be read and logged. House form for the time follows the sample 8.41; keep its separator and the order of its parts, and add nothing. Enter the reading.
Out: 3.39
